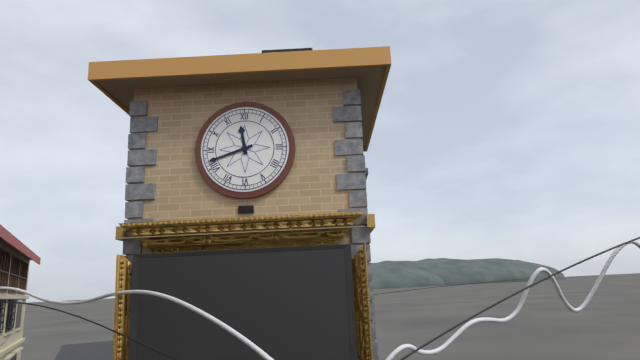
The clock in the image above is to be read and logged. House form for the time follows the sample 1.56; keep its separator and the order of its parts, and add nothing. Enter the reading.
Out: 11.42
